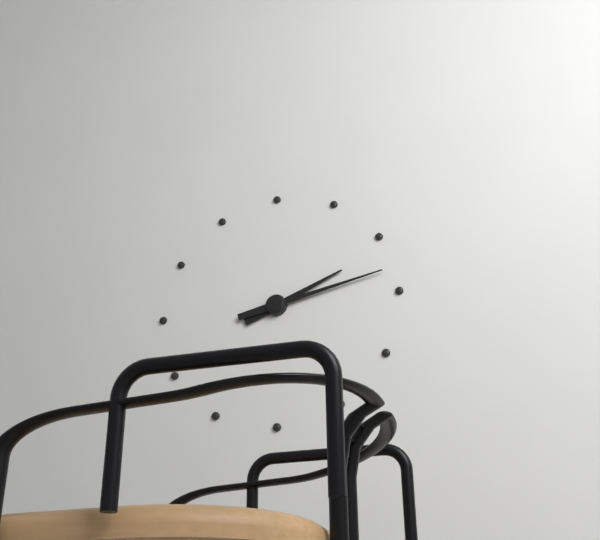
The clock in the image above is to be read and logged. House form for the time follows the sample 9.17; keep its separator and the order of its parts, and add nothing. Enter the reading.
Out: 2.13
